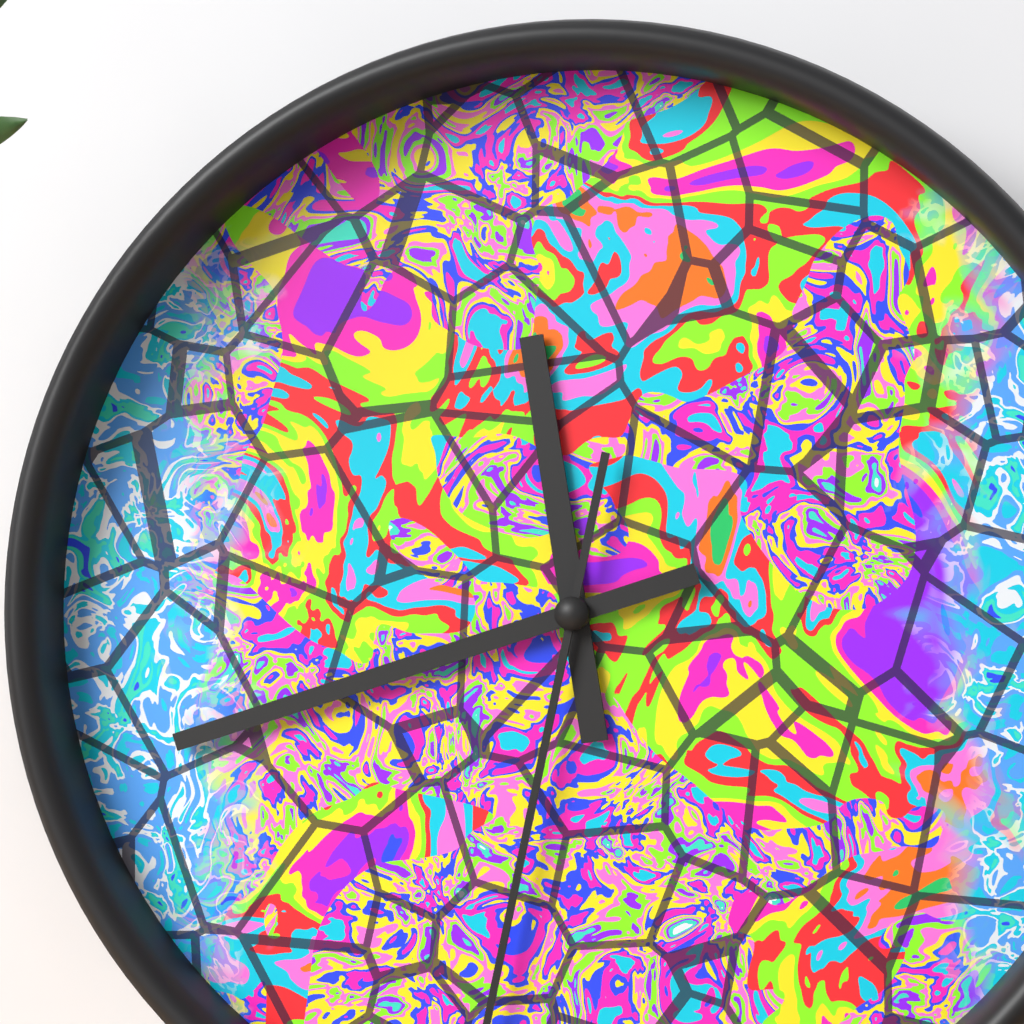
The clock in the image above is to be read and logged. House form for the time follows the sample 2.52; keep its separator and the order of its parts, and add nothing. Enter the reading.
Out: 11.42
